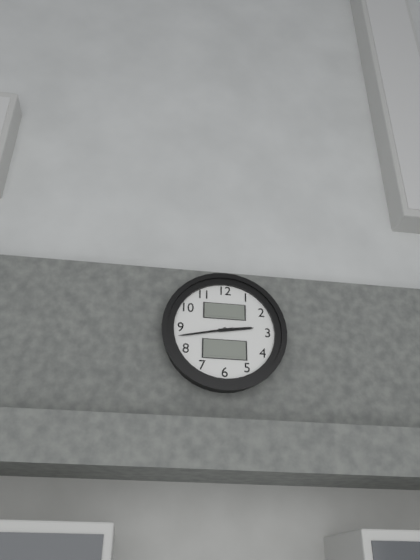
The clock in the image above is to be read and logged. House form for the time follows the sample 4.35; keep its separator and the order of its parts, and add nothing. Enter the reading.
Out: 2.43
